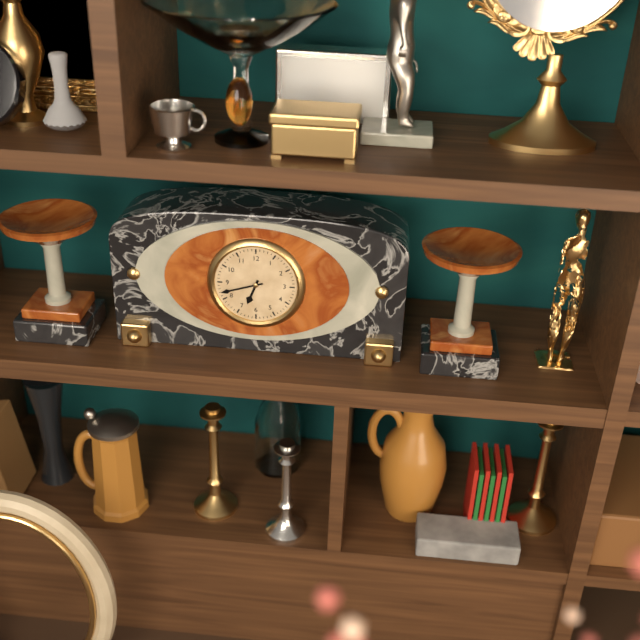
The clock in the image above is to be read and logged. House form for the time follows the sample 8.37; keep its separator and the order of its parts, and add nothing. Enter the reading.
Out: 6.42
